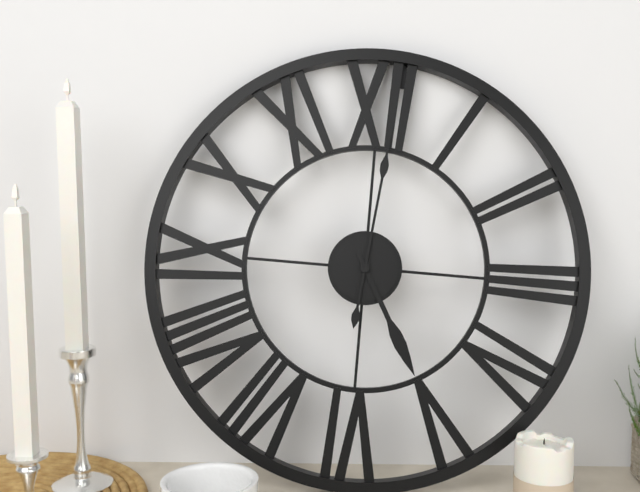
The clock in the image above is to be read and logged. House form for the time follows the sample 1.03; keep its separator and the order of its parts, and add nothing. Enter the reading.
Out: 5.01
